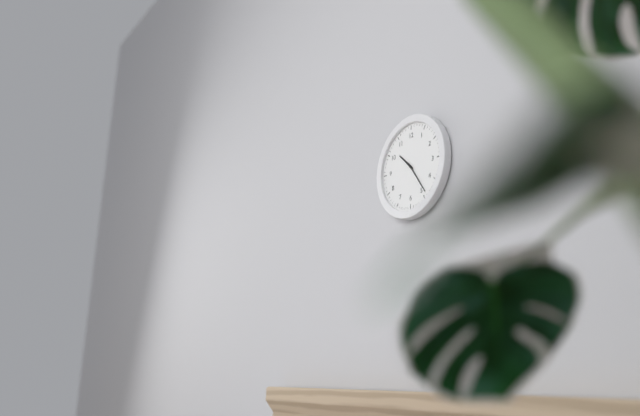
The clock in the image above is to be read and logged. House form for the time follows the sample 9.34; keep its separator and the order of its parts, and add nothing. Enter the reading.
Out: 10.24
